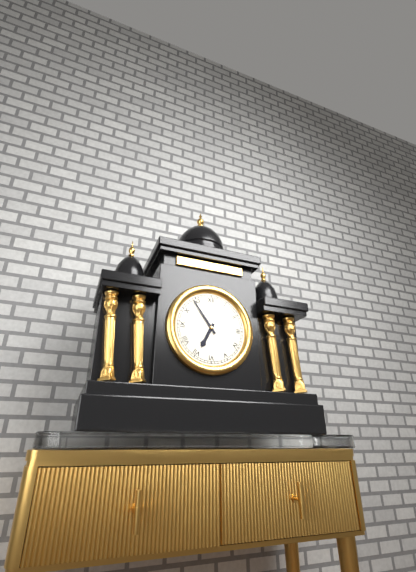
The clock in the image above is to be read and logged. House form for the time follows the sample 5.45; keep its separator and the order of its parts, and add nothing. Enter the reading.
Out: 6.54
